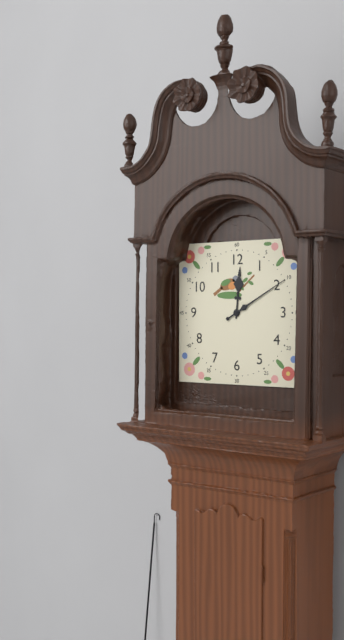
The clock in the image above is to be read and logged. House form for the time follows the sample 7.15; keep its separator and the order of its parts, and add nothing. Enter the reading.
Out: 12.10
